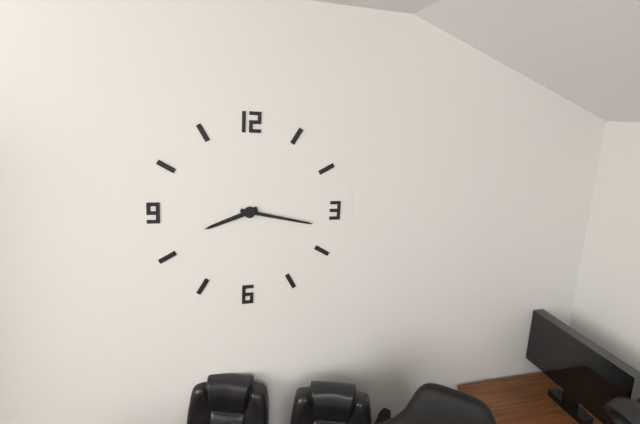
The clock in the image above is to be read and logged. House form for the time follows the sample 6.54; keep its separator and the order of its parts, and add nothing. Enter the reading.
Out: 8.17
